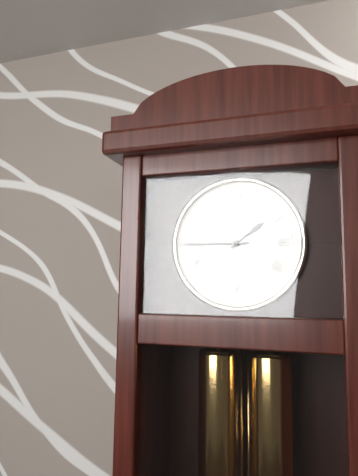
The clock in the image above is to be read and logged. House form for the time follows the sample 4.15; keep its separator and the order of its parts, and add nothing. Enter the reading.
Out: 1.45
